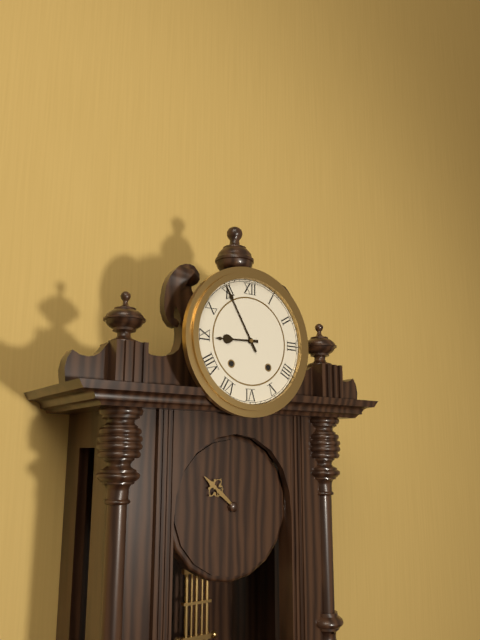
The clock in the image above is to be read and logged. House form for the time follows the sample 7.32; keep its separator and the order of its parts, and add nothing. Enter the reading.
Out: 8.55
